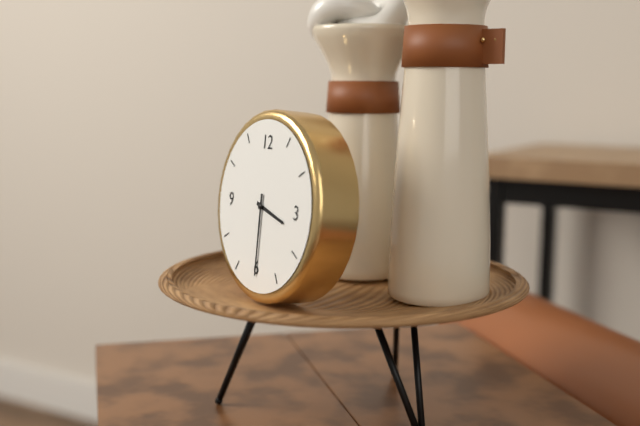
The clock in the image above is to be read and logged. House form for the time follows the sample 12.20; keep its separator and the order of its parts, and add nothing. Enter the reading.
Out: 3.30
